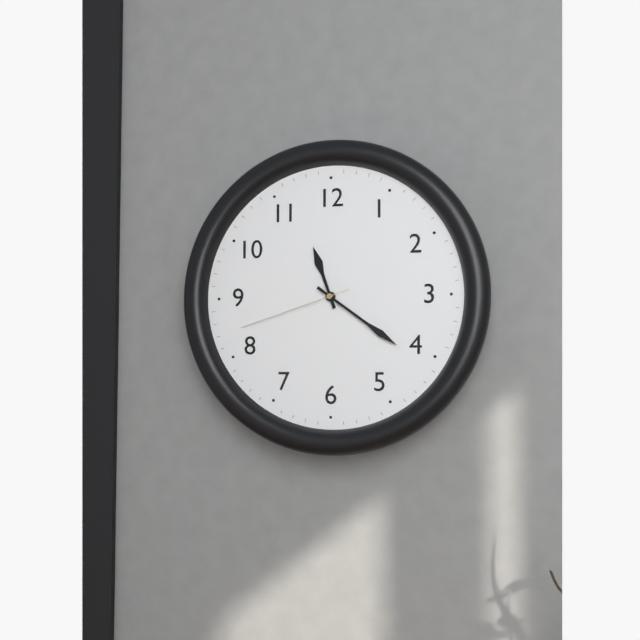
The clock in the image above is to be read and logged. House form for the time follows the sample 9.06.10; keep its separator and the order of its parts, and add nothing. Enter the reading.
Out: 11.21.42
